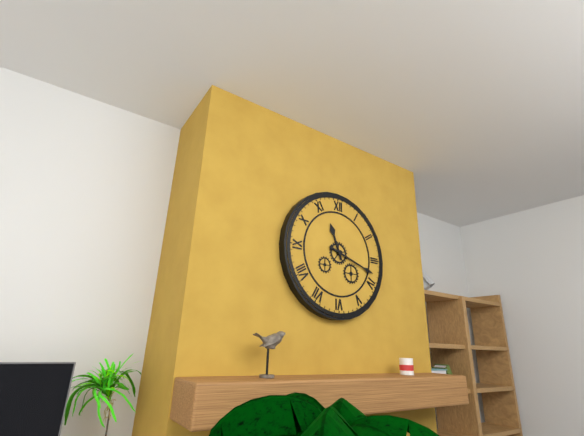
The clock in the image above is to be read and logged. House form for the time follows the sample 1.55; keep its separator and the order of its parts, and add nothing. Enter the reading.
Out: 11.18
